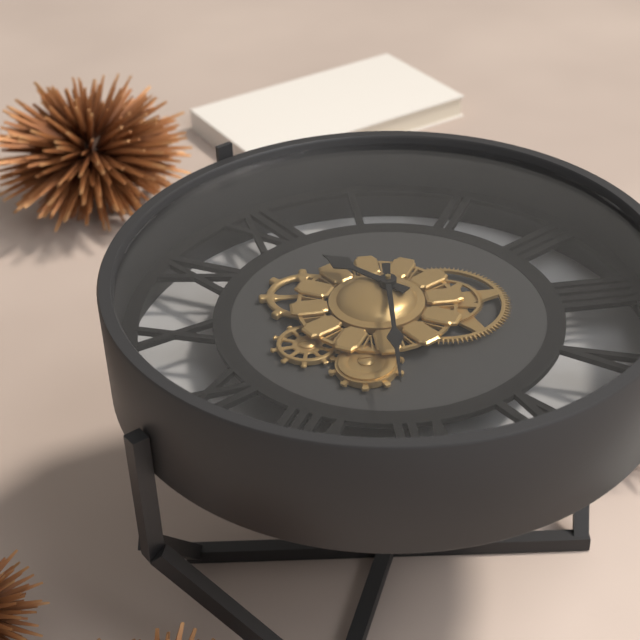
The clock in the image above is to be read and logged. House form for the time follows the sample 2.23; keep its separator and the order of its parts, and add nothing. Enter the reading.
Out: 11.36
